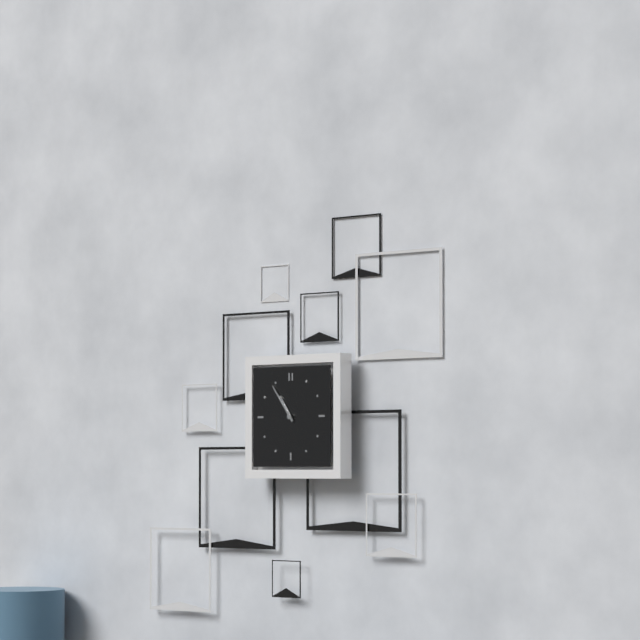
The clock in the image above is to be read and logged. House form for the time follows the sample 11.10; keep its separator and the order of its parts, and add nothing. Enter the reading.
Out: 10.54
